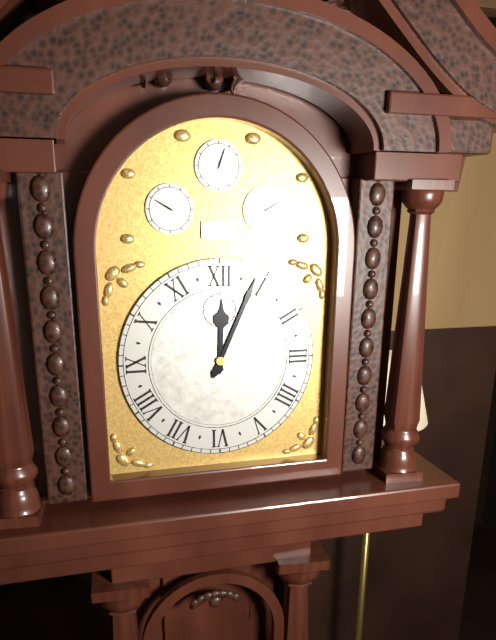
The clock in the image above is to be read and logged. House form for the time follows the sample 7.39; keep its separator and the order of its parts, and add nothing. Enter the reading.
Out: 12.04
